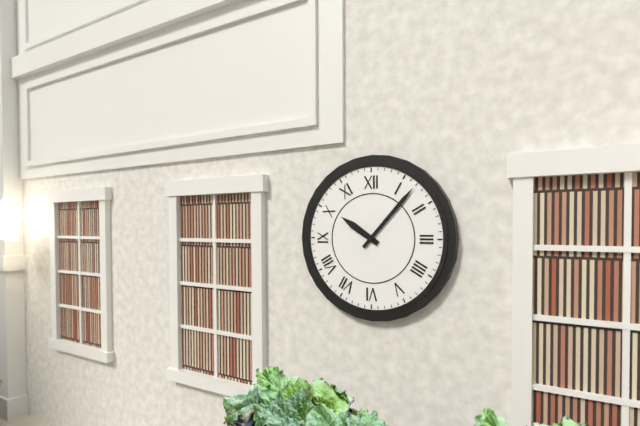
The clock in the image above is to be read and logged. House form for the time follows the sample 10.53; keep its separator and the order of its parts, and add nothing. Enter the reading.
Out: 10.07
